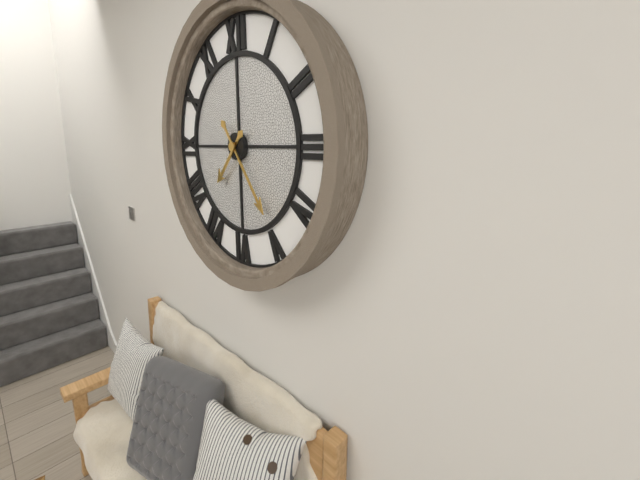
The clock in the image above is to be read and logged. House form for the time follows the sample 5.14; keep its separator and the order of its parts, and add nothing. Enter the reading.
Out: 7.24
